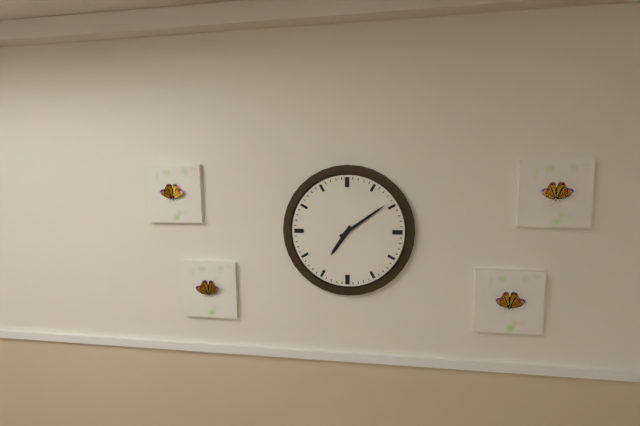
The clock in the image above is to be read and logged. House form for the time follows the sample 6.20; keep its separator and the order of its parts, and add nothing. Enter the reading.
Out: 7.09
